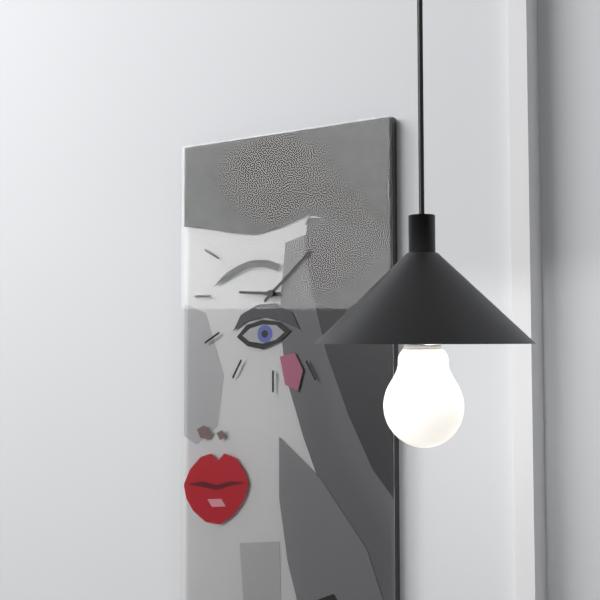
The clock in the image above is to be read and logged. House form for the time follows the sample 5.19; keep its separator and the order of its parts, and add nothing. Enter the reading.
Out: 9.08
